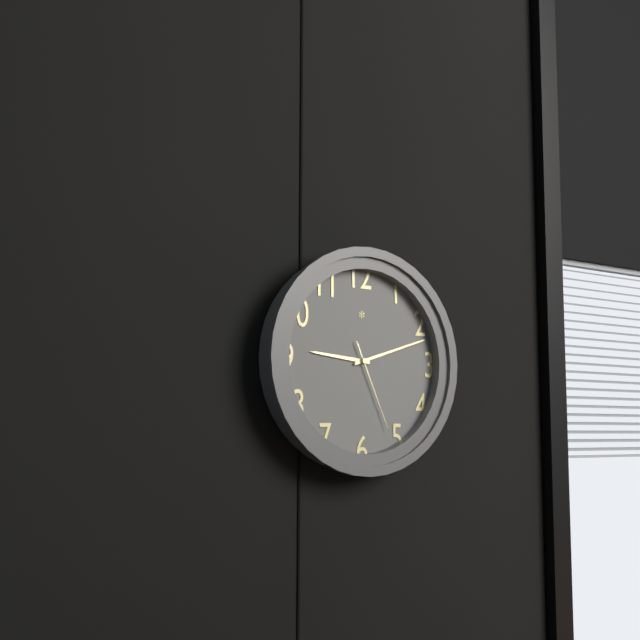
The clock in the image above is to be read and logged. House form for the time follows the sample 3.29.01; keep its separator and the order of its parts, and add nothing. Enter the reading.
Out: 9.12.26
